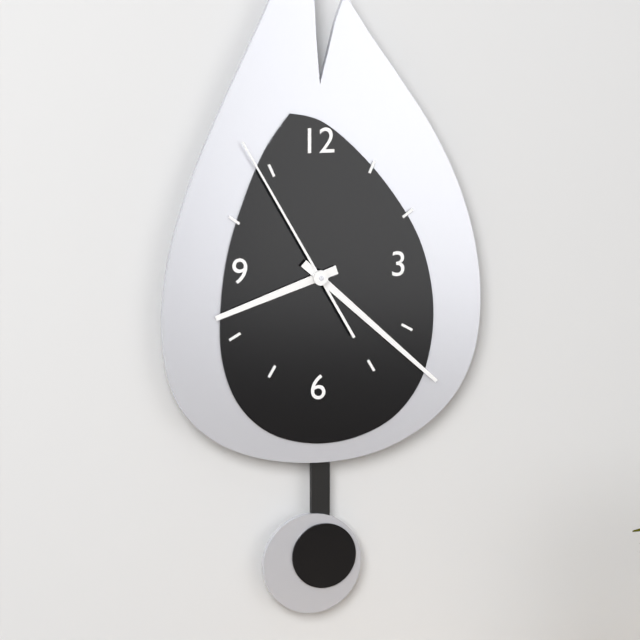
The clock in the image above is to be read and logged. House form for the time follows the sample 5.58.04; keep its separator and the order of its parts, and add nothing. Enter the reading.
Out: 8.22.55
